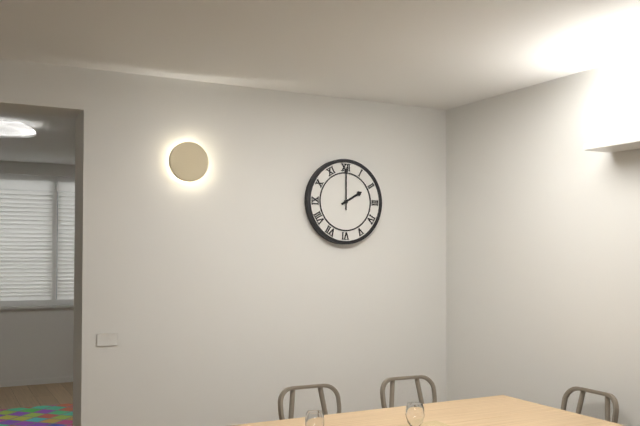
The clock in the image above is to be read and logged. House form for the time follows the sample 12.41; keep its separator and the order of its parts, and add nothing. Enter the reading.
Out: 2.00
